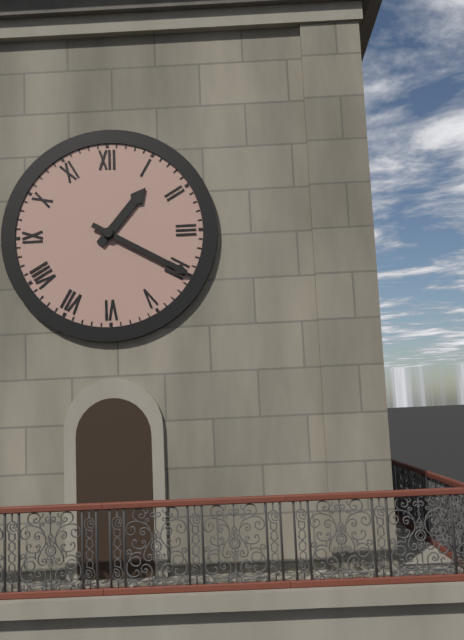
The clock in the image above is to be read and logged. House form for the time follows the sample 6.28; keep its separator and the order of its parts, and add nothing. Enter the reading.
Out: 1.20
